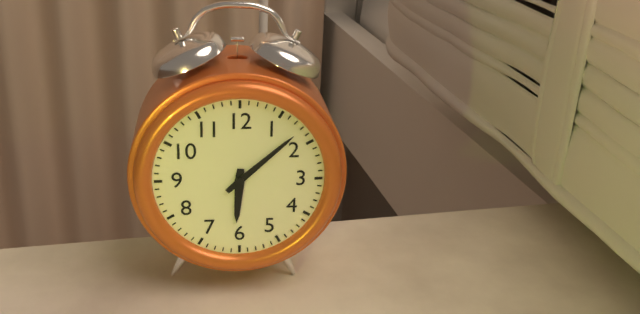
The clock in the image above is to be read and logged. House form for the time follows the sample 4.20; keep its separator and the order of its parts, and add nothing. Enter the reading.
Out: 6.08
